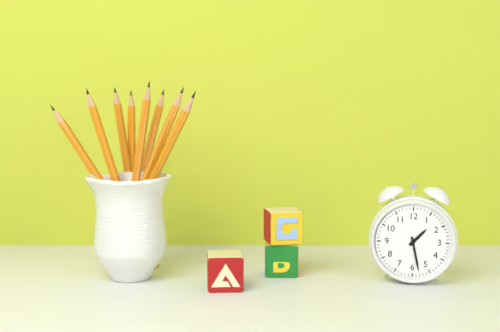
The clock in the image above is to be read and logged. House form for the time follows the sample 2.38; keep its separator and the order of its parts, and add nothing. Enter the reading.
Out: 1.28
